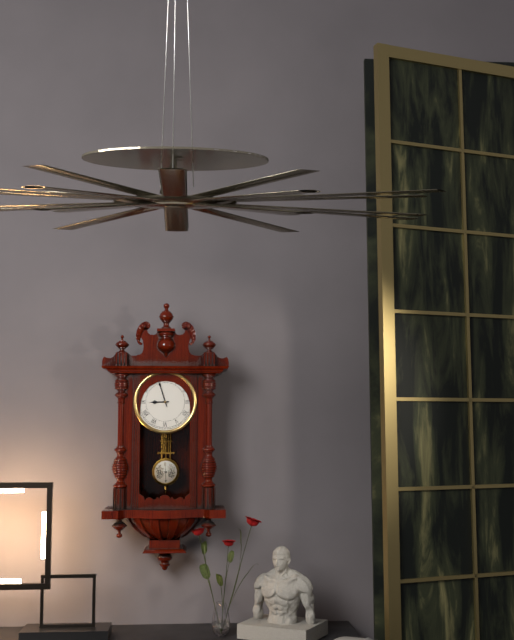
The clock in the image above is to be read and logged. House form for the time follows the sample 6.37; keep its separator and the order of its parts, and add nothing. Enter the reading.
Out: 8.57
